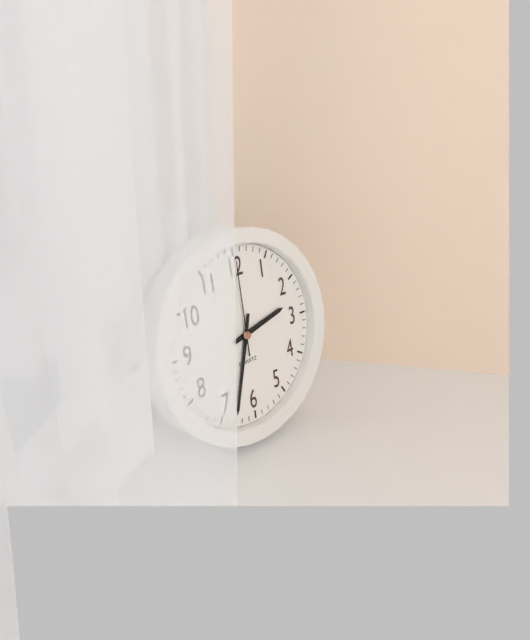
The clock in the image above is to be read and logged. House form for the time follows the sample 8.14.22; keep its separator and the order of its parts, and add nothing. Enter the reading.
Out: 2.33.00
